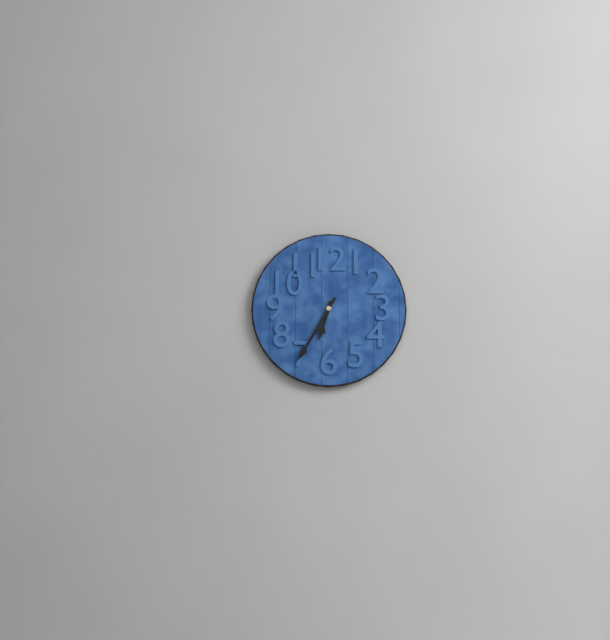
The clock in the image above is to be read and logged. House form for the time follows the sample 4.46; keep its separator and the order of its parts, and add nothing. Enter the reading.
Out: 6.35
